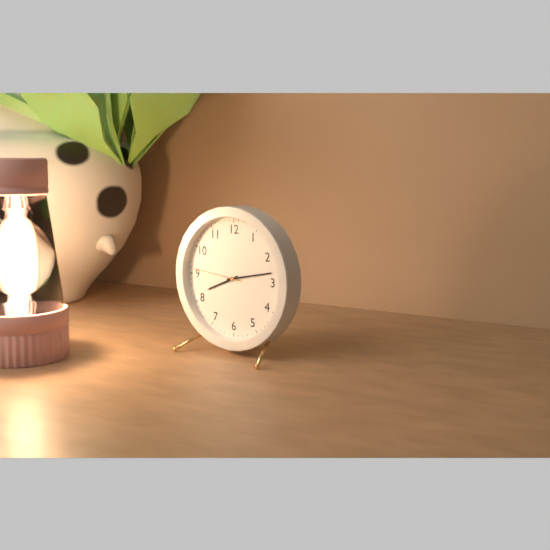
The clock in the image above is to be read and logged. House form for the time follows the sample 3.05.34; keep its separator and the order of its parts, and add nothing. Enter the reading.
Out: 8.13.46
